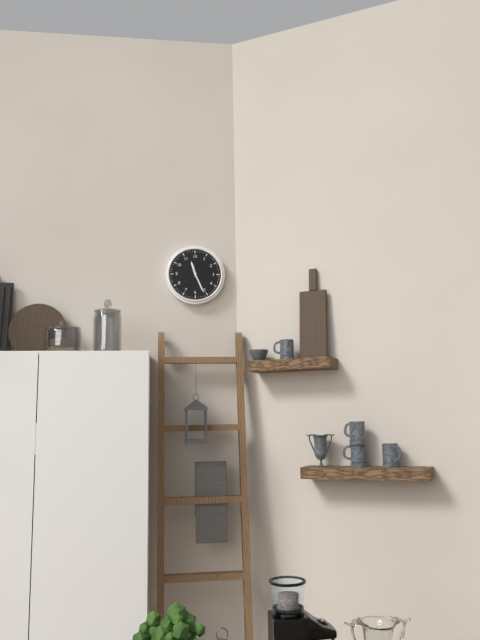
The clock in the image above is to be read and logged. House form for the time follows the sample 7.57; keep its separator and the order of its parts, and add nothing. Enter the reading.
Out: 11.26
